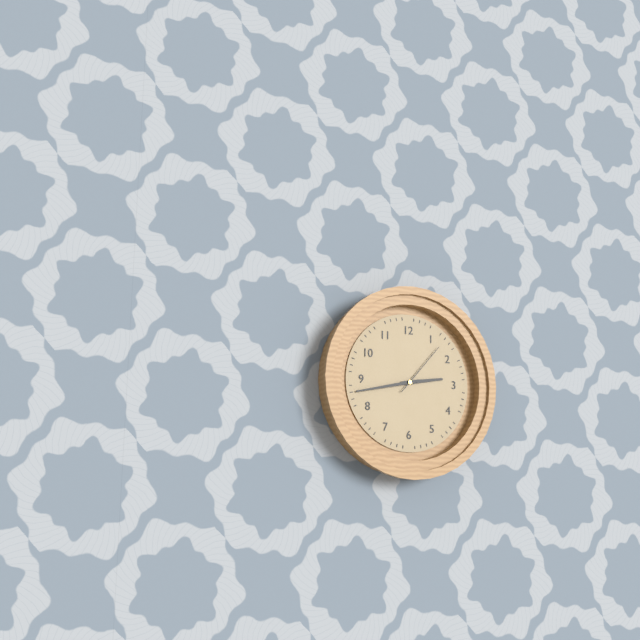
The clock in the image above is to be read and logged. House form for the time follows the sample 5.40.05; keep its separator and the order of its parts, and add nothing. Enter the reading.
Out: 2.43.07
